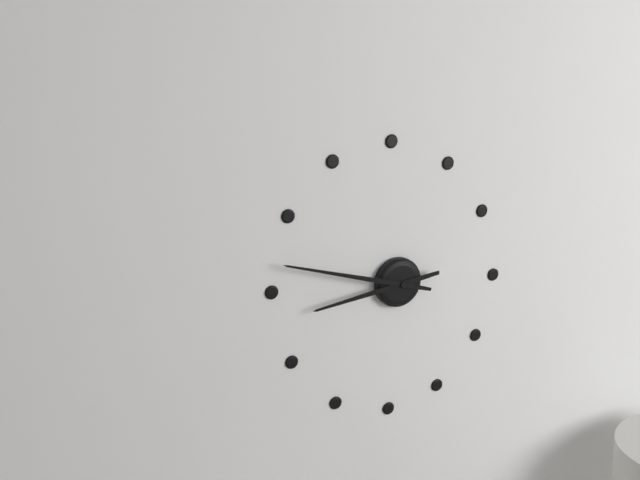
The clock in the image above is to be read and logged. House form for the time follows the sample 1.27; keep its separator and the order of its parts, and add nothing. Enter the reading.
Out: 8.48
